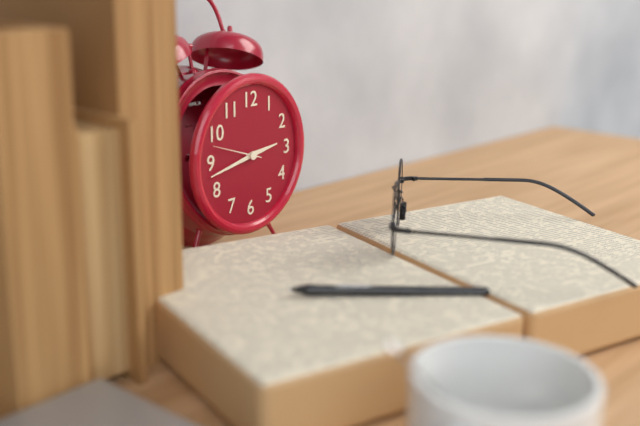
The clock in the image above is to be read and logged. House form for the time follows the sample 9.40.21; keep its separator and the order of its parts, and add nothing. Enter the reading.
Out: 2.43.48
